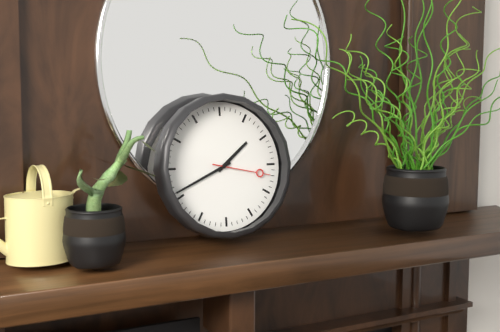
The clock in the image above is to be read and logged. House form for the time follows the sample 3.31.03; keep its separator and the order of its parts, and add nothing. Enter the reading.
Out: 1.41.17
